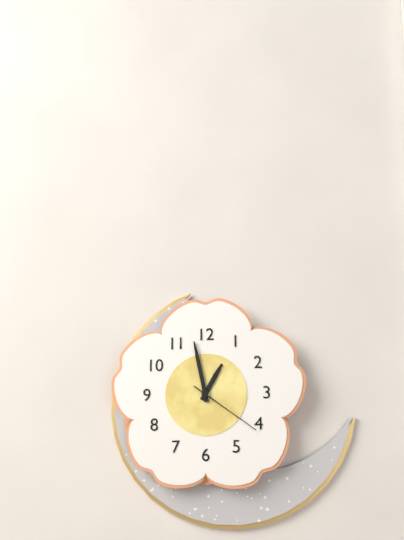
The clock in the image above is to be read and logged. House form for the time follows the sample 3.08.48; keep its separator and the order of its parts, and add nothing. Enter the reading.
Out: 12.58.21
